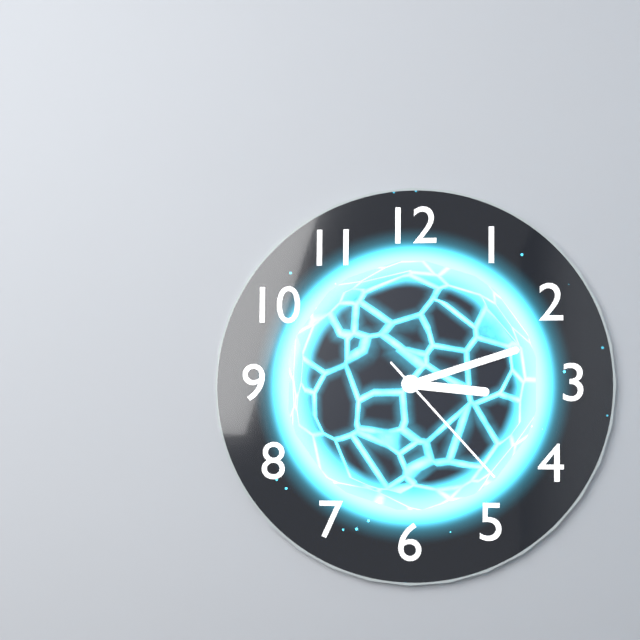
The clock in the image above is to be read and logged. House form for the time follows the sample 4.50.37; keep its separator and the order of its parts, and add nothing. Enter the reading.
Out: 3.12.23
